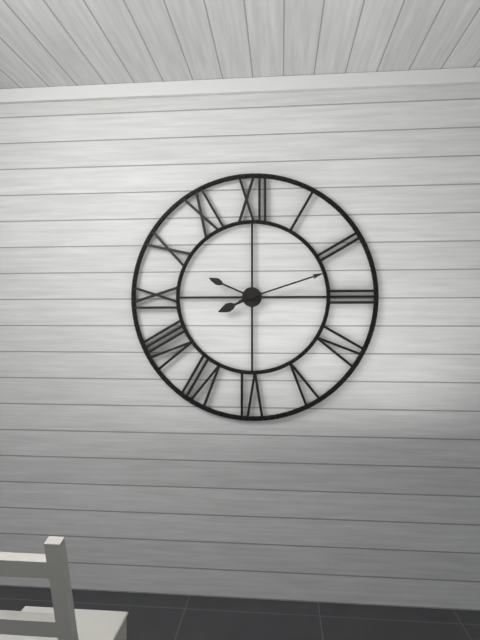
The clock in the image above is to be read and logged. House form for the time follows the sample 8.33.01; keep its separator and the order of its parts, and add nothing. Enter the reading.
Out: 8.12.49
